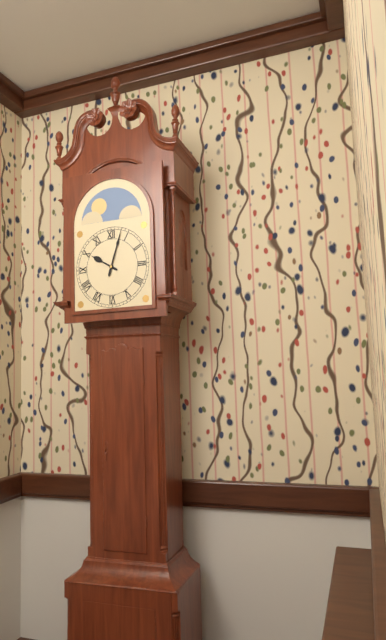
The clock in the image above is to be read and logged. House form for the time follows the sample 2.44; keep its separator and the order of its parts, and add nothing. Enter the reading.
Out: 10.03
